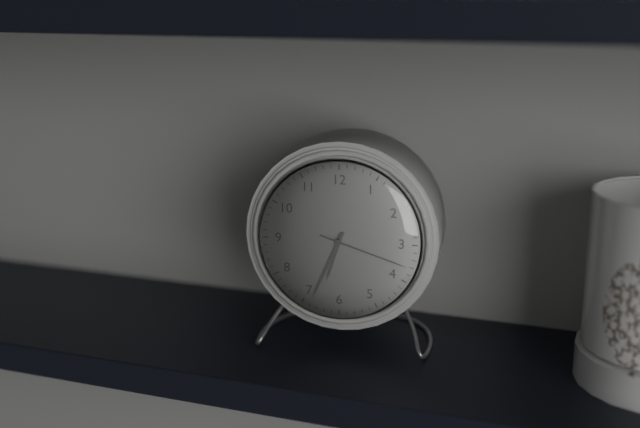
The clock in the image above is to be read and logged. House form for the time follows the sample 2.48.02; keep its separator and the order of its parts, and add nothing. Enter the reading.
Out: 6.34.18
